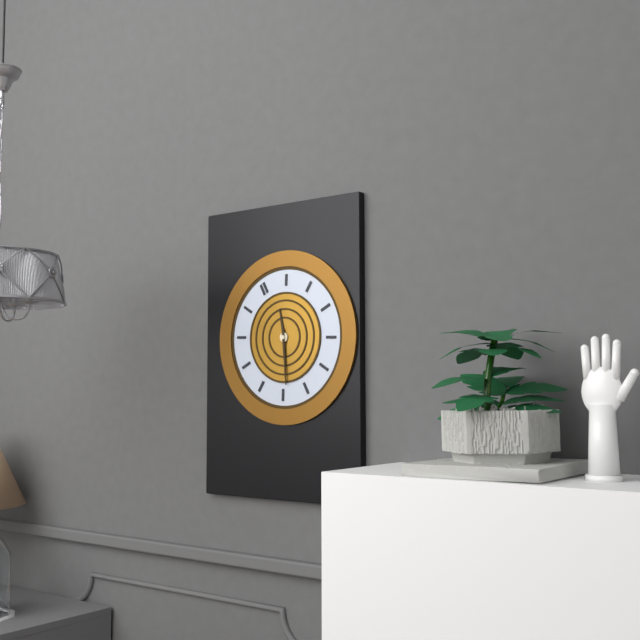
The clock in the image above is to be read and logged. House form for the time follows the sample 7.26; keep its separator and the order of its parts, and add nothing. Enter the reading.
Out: 12.34
